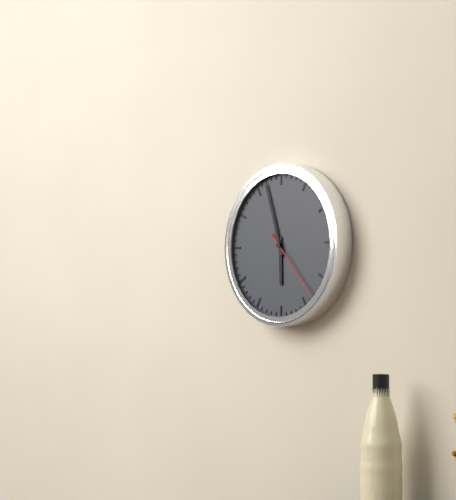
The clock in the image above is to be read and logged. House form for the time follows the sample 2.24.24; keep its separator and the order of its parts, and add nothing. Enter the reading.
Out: 5.57.23
